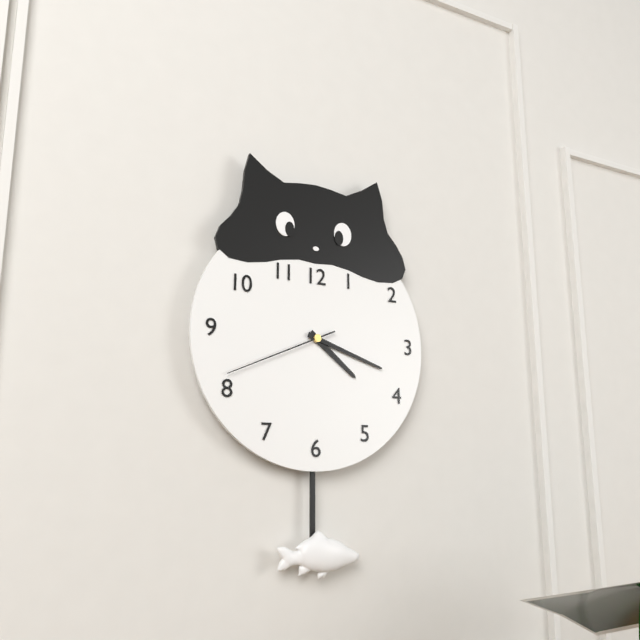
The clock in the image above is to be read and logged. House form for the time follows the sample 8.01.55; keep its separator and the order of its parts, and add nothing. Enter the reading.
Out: 4.18.41
